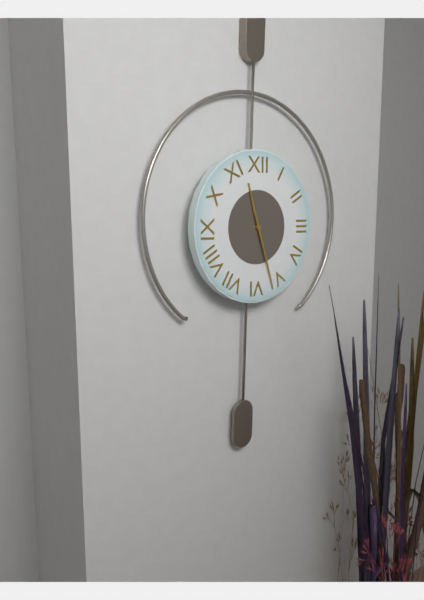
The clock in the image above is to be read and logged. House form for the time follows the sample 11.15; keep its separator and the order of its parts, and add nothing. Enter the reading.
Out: 11.27
